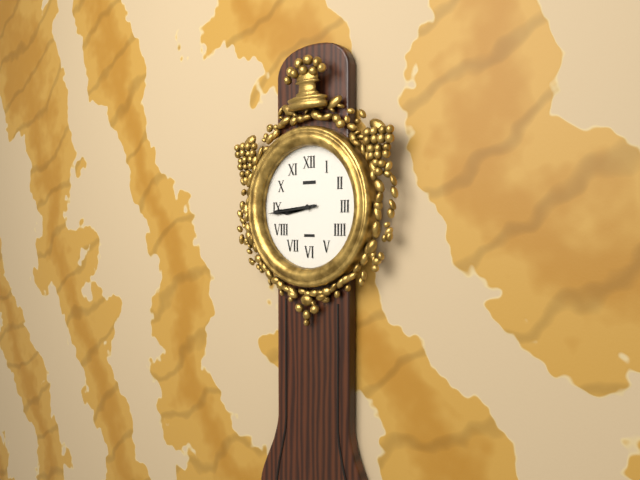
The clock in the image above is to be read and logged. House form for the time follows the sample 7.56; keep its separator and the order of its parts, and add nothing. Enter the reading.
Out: 8.44
